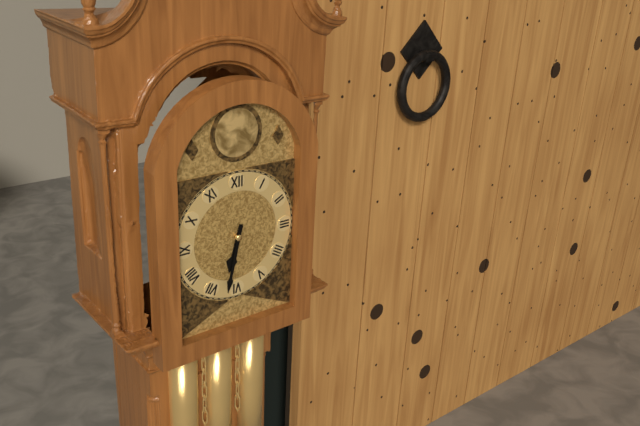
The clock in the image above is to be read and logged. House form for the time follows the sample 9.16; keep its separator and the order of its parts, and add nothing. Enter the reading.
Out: 6.32
